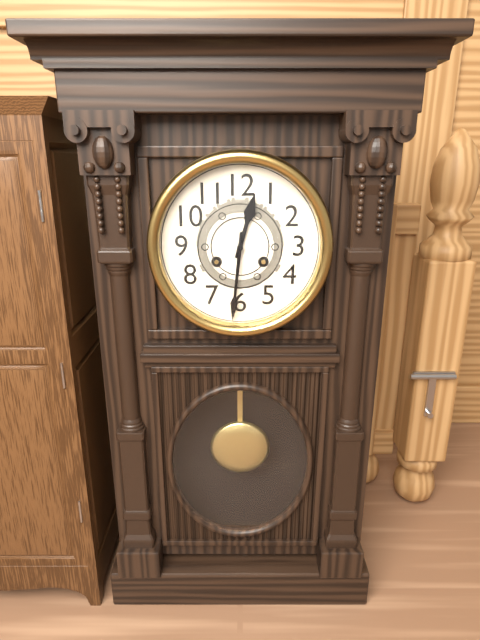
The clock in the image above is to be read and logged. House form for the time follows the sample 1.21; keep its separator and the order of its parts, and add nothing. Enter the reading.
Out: 12.31
